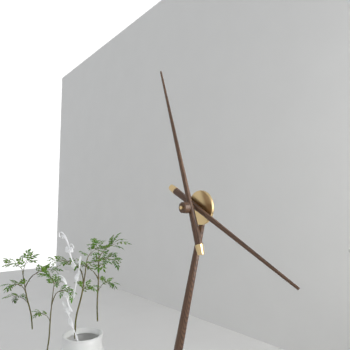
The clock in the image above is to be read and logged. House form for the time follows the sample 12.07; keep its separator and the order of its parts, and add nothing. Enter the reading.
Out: 3.57
